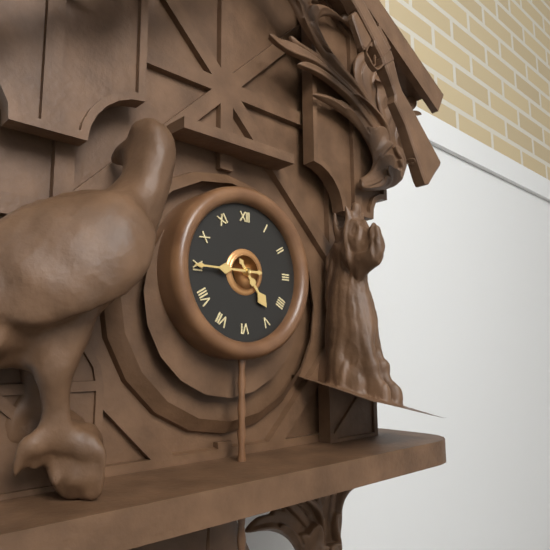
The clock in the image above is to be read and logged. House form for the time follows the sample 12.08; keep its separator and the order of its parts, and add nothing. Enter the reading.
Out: 4.45
